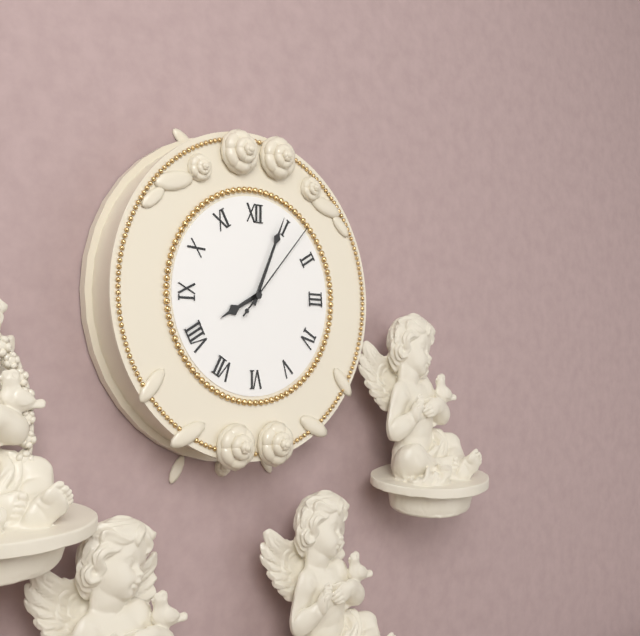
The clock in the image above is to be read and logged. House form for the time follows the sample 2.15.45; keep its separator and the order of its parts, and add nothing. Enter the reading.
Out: 8.04.07
